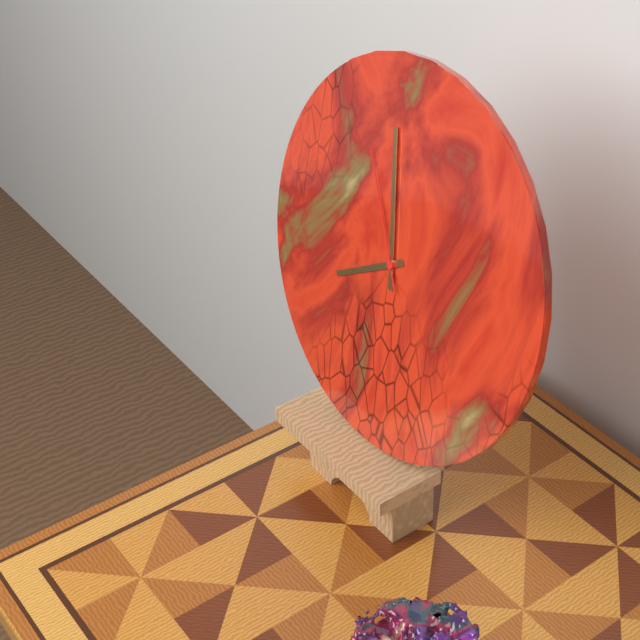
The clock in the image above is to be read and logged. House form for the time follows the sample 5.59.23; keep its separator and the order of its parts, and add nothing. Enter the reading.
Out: 7.58.55
